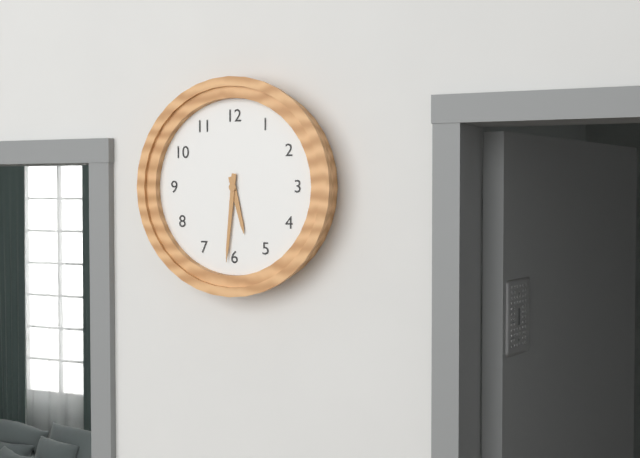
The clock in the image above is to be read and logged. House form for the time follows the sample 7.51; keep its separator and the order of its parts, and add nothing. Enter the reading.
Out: 5.31
